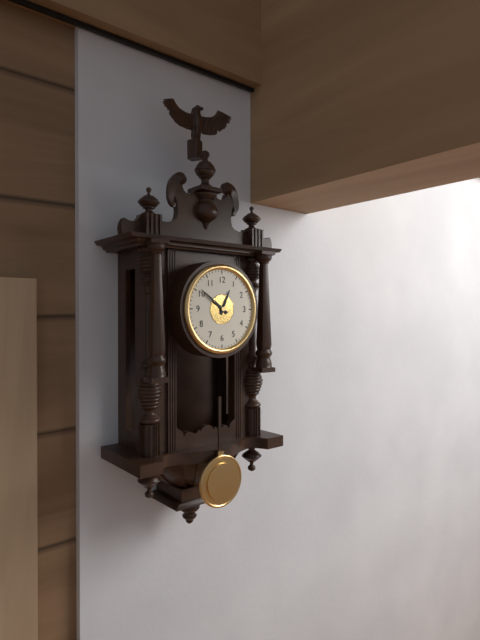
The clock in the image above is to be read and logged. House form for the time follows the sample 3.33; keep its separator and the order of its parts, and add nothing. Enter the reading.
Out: 12.51
